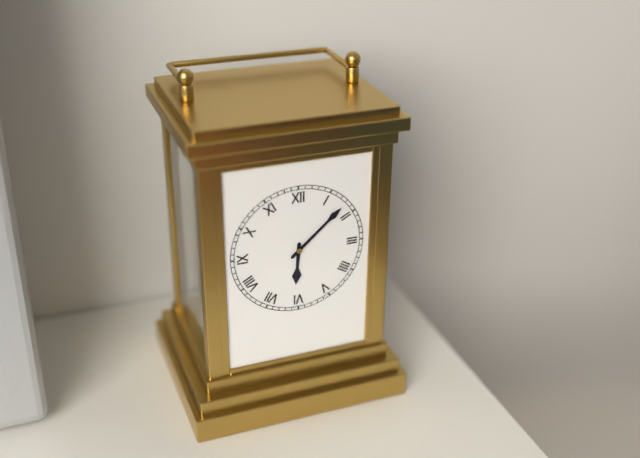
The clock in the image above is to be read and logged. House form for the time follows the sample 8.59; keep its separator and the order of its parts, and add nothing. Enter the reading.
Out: 6.08
